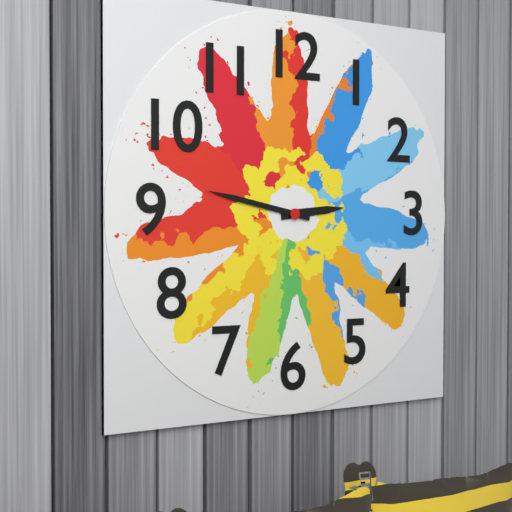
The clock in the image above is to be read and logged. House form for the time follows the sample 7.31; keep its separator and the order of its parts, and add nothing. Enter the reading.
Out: 2.47
